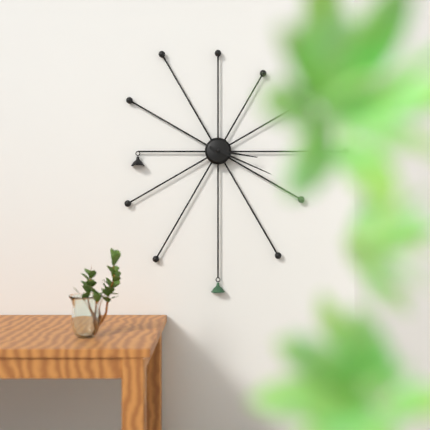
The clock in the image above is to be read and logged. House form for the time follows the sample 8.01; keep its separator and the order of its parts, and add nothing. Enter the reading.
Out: 3.19
